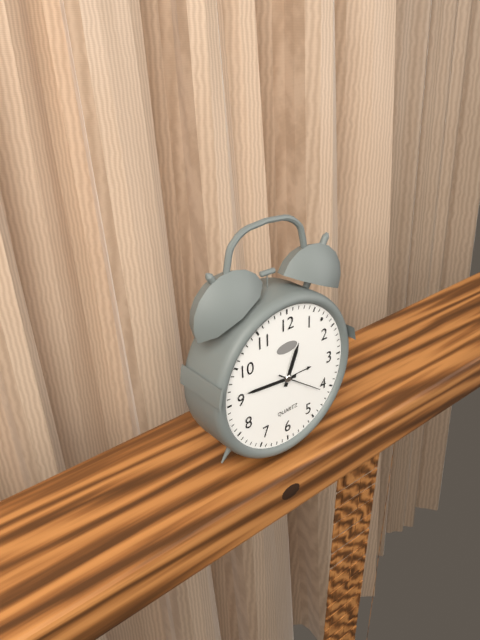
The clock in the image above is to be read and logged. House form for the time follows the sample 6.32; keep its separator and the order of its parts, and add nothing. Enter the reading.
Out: 12.46
